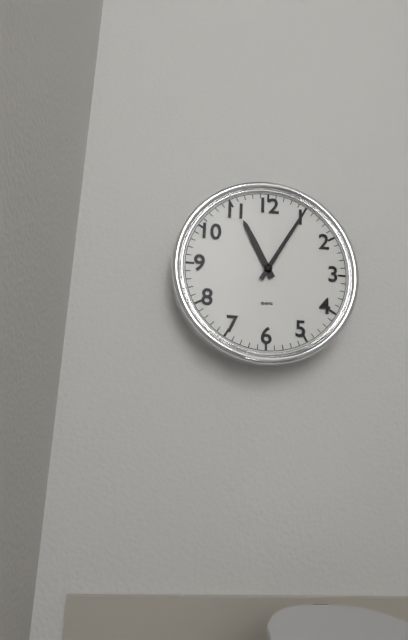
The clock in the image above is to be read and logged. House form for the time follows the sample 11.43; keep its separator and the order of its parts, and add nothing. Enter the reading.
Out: 11.05
